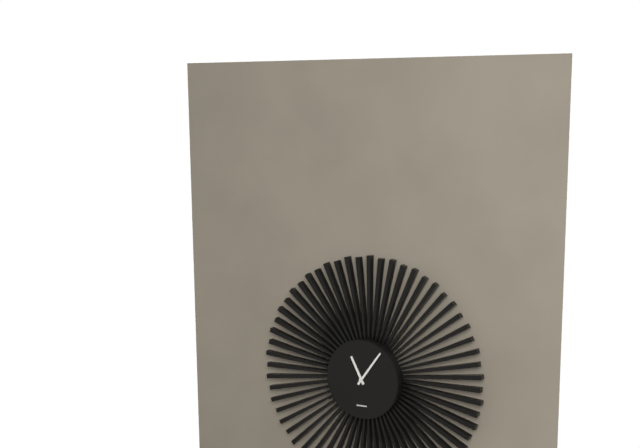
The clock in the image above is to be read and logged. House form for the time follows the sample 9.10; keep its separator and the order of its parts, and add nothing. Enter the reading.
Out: 11.06
